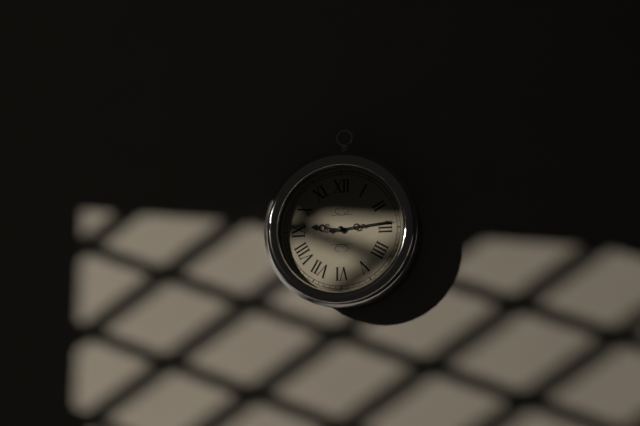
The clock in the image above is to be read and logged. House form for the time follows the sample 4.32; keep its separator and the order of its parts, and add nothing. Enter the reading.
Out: 9.14
